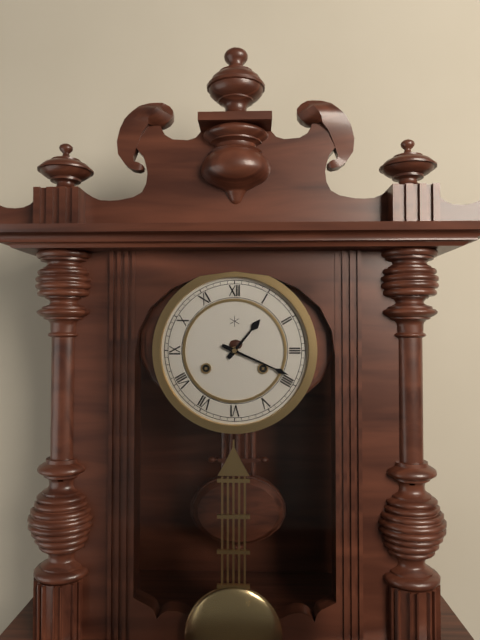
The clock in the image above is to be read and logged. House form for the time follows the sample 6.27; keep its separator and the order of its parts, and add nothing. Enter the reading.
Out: 1.19
